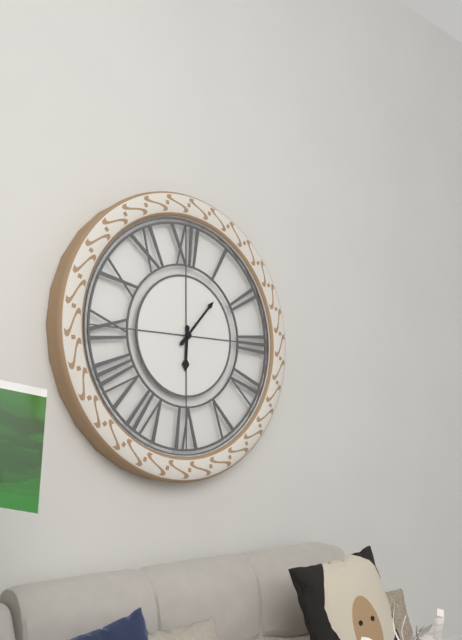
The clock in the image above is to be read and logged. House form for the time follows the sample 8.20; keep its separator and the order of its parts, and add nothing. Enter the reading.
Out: 6.07
